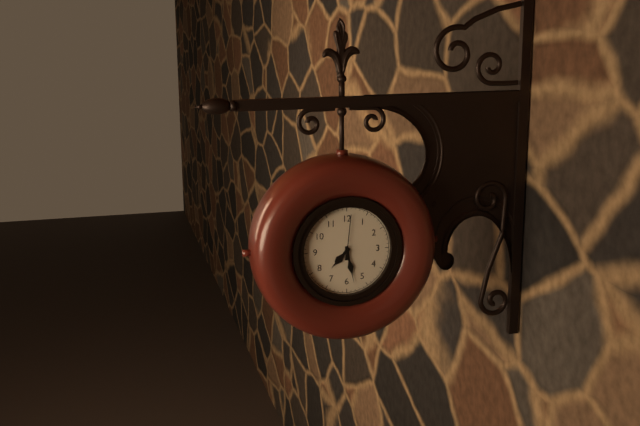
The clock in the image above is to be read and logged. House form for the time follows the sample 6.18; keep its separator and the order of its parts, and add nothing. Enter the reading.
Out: 7.28
